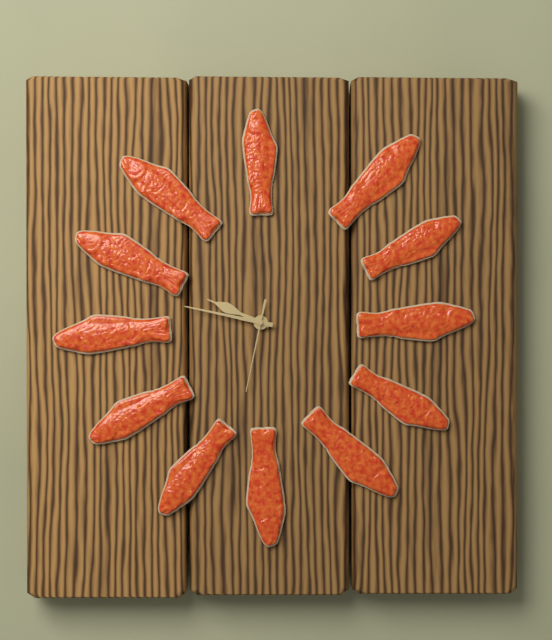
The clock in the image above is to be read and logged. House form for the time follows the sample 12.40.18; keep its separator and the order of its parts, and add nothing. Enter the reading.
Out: 9.47.32
